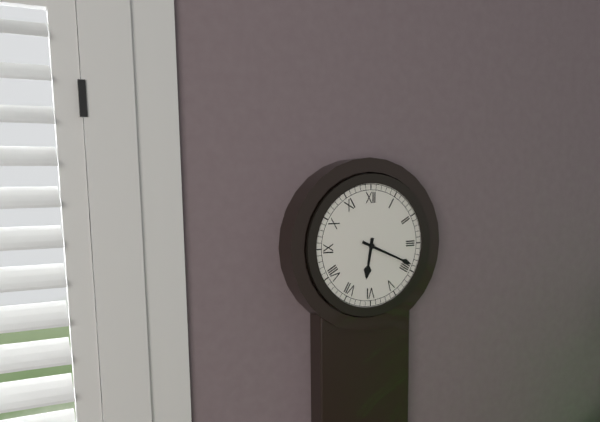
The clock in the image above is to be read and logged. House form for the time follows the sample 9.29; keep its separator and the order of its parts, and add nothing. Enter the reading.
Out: 6.19
